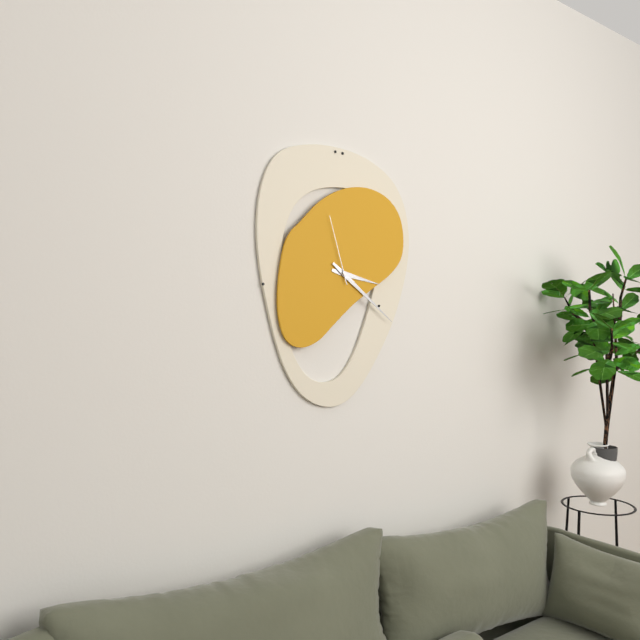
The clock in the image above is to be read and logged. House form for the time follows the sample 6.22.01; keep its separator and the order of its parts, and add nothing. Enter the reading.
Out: 3.21.57
